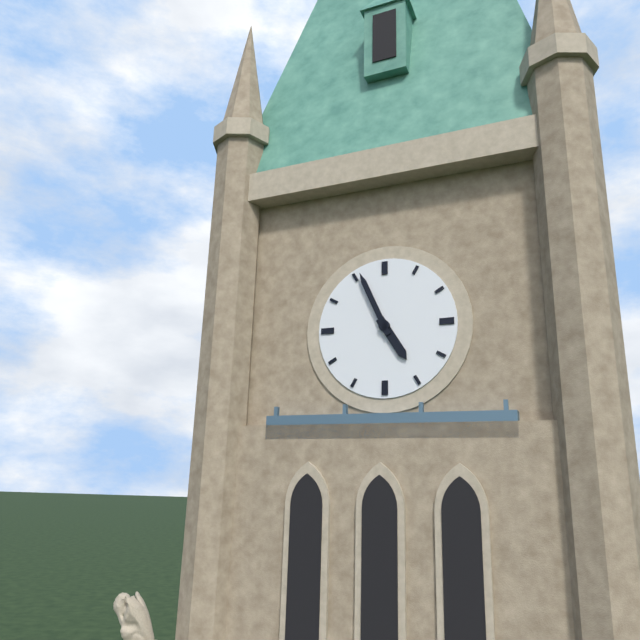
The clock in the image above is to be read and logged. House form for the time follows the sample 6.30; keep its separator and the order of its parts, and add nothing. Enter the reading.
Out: 4.56
